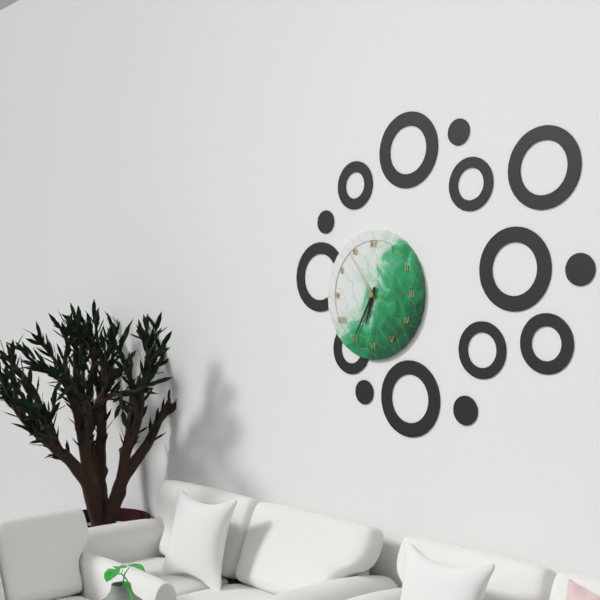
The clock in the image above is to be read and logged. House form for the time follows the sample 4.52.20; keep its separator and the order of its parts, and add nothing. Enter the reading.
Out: 6.35.54
